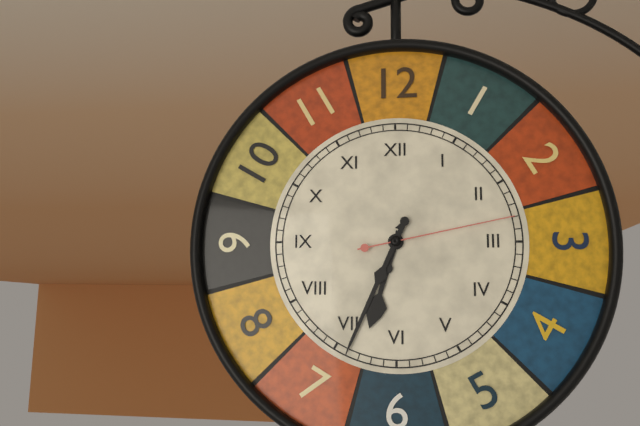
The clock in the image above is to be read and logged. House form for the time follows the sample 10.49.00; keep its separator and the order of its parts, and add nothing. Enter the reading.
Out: 6.34.13
